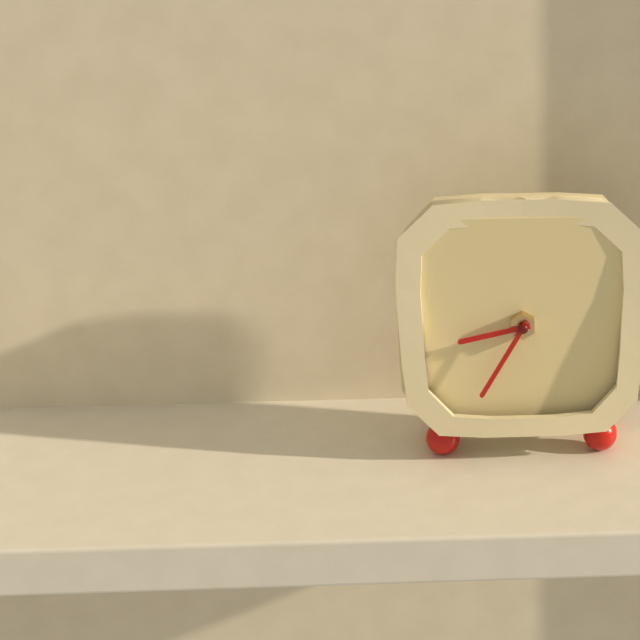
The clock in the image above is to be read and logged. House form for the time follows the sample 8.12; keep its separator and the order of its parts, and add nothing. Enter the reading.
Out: 8.35
